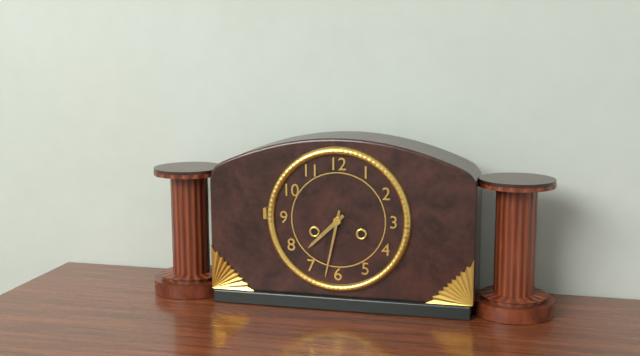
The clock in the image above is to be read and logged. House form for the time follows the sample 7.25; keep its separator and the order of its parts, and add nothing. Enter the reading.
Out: 7.32
